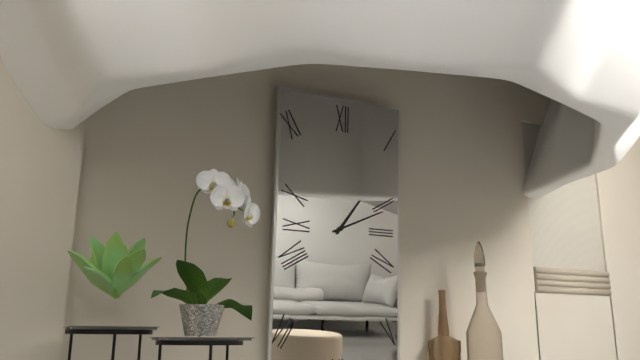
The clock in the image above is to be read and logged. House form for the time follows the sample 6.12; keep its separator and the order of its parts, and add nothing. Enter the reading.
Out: 1.11
